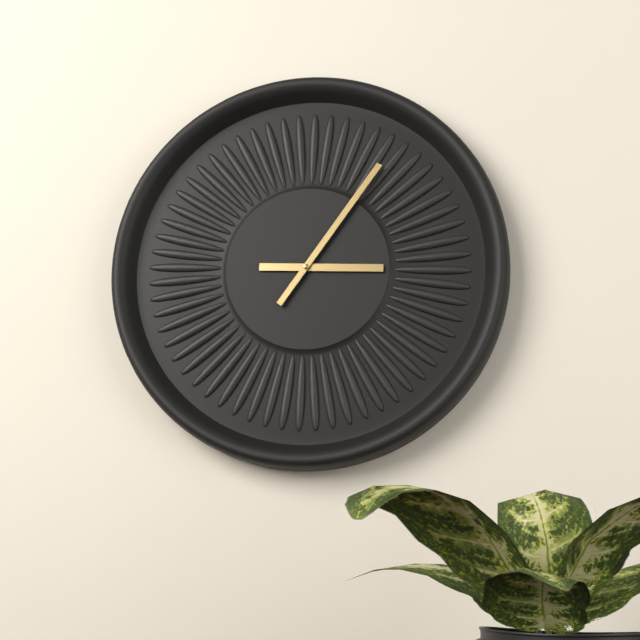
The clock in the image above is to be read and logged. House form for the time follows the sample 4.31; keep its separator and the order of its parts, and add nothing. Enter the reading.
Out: 3.06
